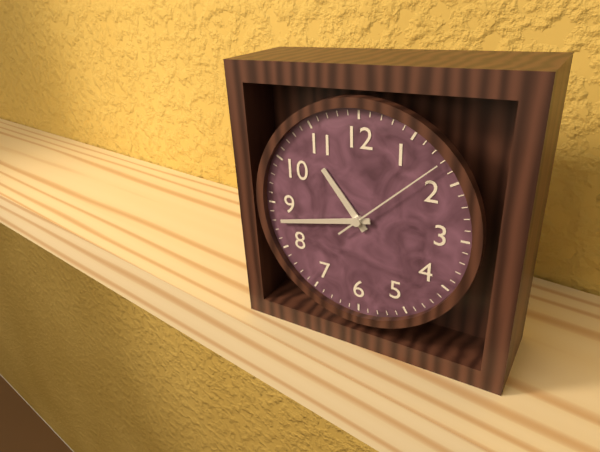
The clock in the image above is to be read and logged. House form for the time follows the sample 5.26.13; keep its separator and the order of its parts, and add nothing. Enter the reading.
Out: 10.43.08
